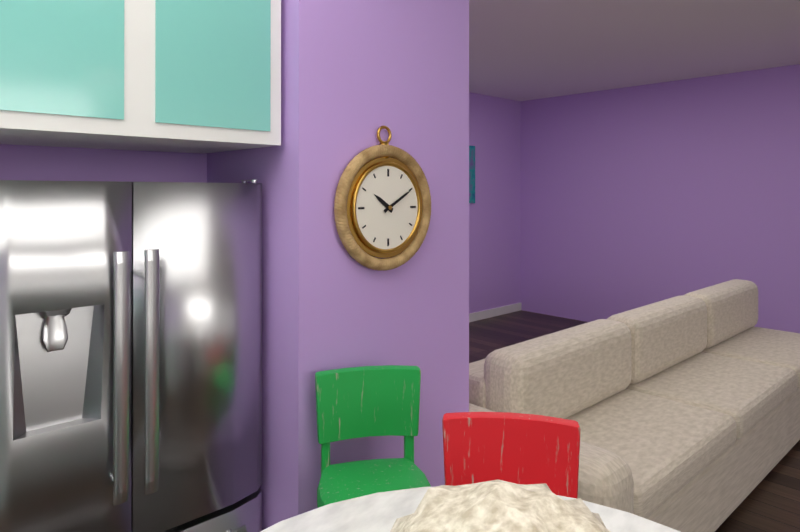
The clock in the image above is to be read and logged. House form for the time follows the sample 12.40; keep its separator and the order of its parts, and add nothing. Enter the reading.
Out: 10.10
